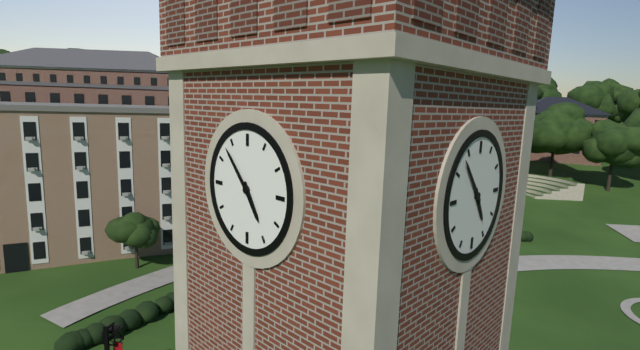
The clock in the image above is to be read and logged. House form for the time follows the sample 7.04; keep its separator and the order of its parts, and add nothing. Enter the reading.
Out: 4.53
